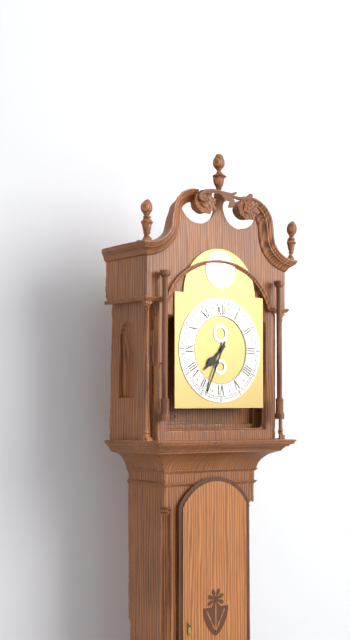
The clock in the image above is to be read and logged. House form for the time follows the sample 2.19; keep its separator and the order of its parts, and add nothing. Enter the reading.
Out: 7.34
